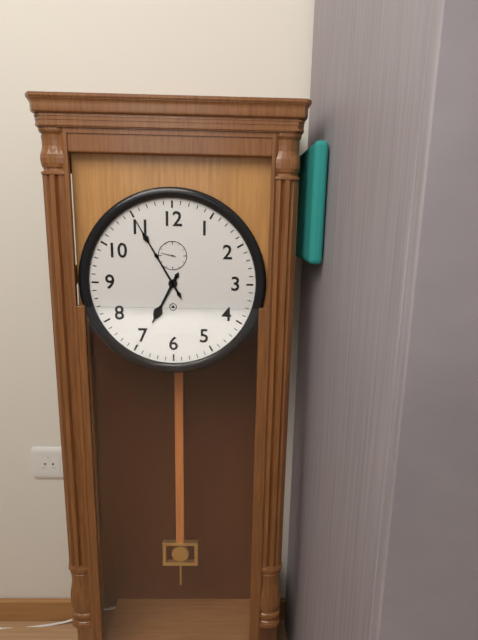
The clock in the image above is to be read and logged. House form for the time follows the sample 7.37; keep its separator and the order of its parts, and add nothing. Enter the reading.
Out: 6.55
